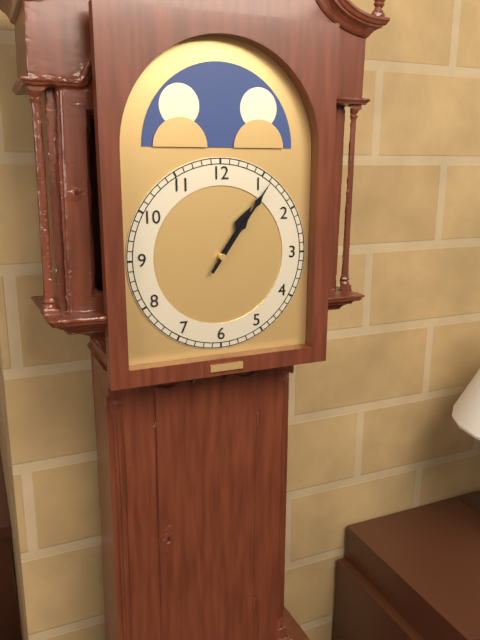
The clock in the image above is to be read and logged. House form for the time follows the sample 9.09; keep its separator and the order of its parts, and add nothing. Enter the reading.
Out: 1.06
